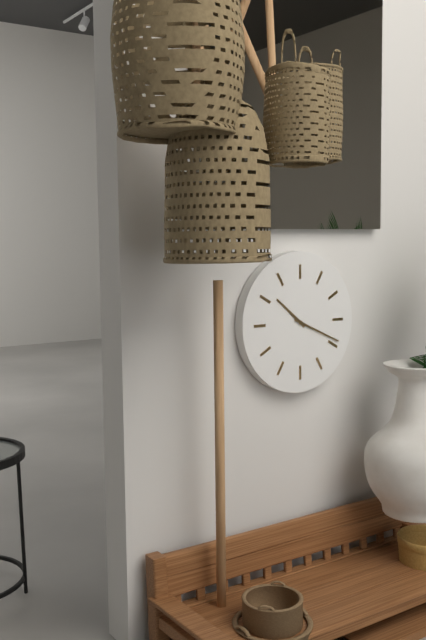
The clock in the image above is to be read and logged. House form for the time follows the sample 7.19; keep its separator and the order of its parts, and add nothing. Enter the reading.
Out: 10.19
